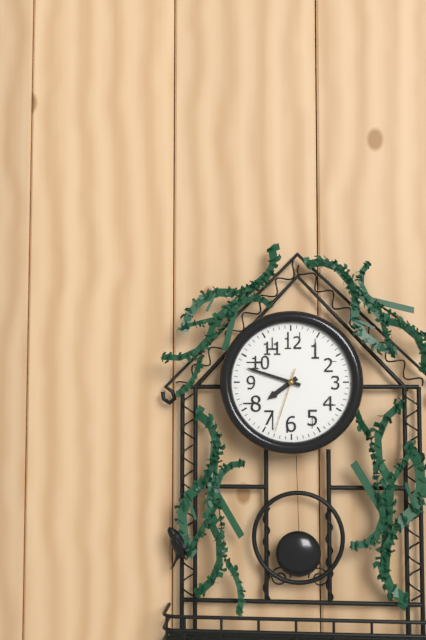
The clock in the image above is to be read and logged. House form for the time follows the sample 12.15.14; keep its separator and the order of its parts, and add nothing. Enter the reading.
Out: 7.48.33
